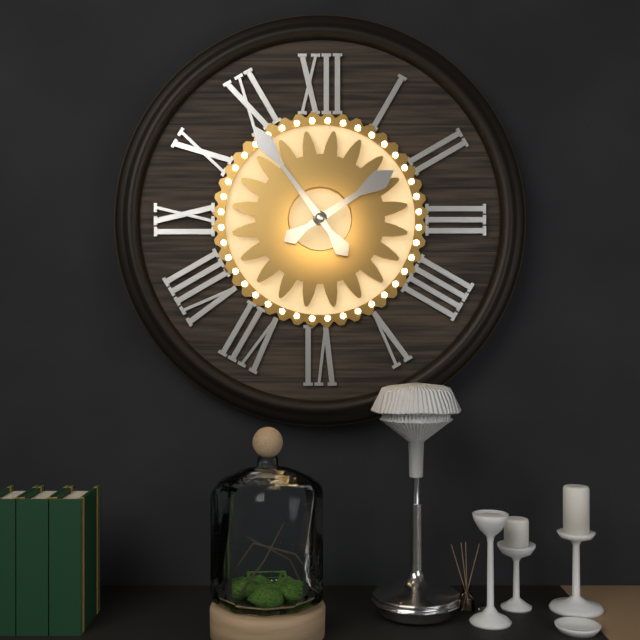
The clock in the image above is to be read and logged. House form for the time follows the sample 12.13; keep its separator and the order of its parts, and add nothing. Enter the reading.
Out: 1.54
